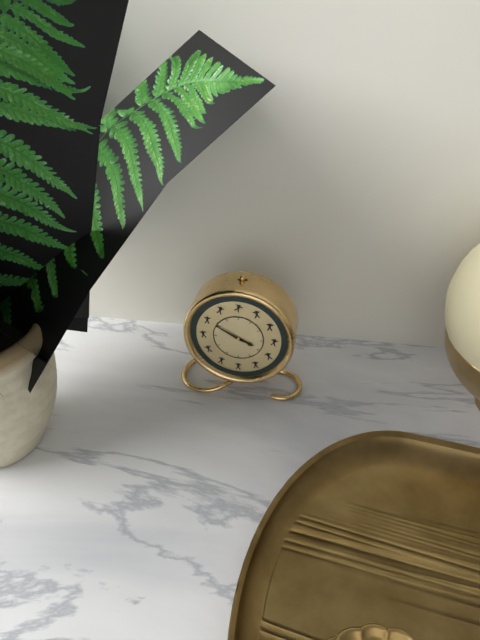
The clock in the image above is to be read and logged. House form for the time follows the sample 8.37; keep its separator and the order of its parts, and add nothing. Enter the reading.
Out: 3.50
